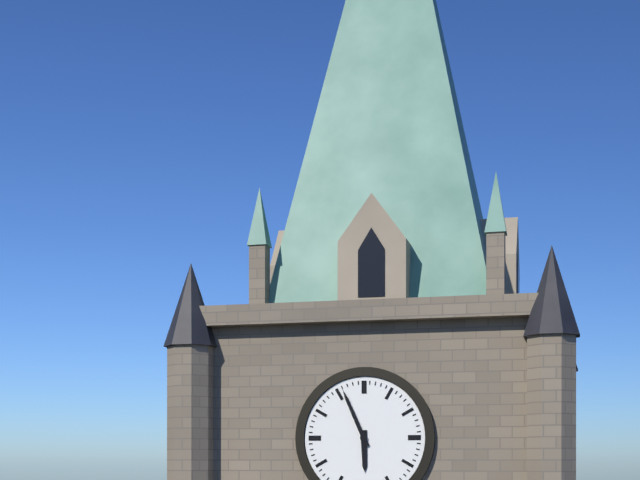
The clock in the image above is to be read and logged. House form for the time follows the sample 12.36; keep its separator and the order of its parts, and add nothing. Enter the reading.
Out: 5.56
